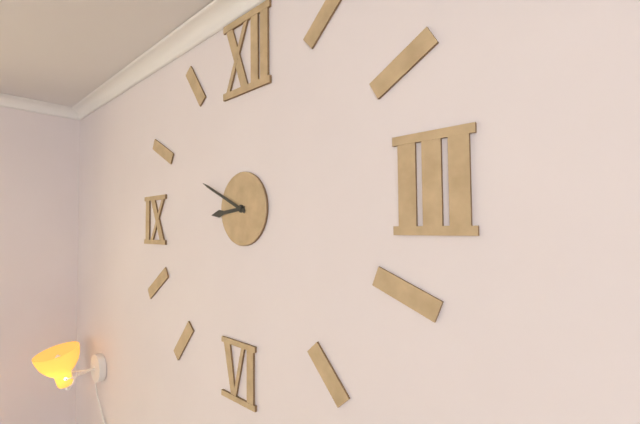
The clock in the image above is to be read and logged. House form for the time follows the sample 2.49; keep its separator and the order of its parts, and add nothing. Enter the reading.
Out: 8.49
